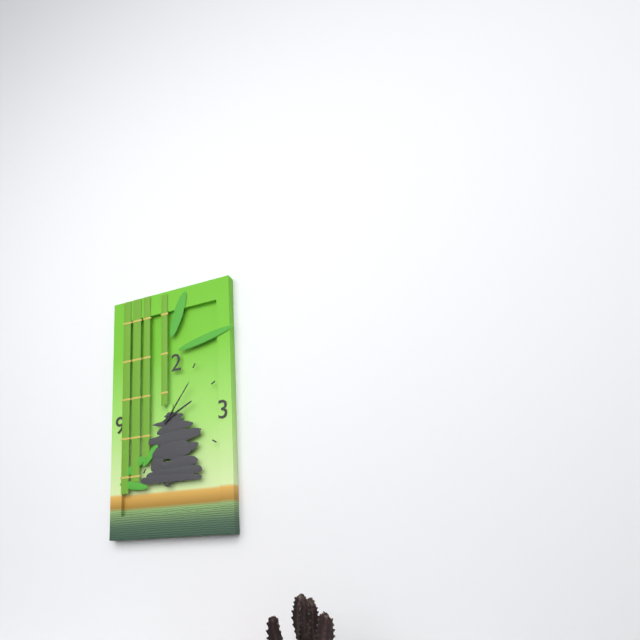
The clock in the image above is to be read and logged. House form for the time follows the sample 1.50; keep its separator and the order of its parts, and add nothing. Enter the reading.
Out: 2.06
